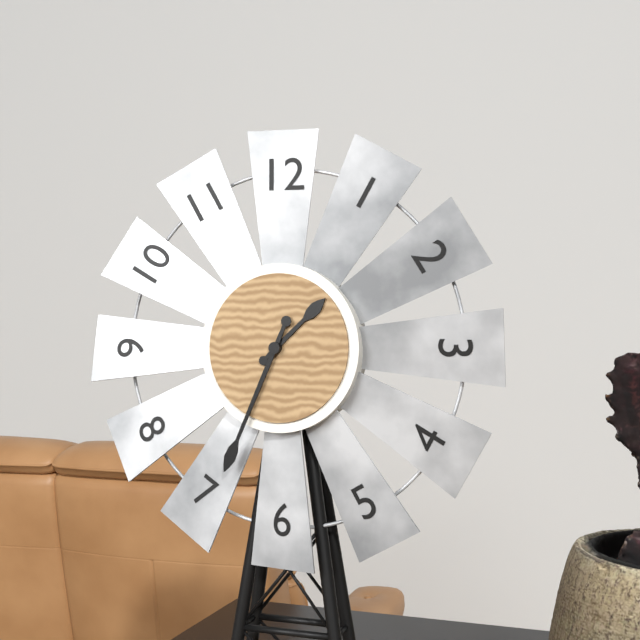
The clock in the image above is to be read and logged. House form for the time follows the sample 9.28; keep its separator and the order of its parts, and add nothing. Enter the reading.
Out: 1.34
